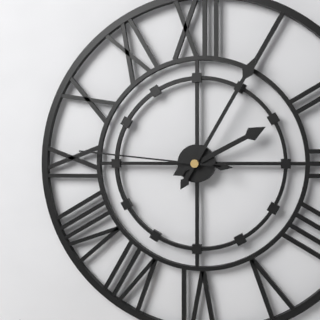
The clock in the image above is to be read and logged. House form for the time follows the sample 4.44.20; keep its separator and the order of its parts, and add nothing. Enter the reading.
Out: 2.05.46
